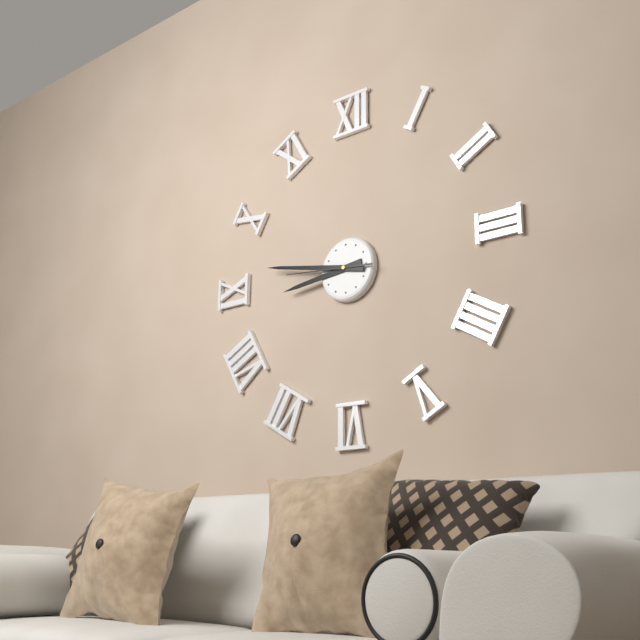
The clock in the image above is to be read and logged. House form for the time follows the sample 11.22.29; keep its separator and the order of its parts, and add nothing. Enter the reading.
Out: 8.47.46
